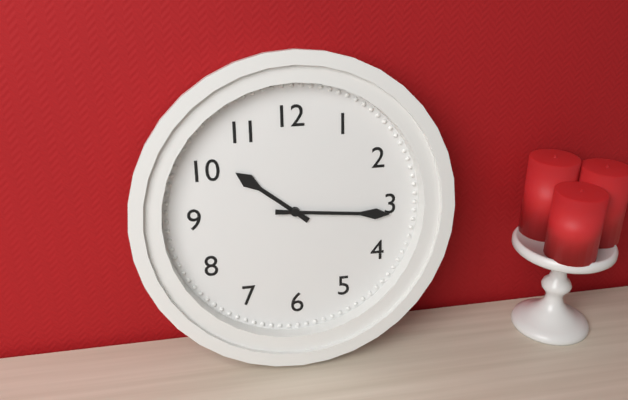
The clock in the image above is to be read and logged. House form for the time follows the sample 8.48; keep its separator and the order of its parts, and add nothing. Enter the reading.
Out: 10.16
